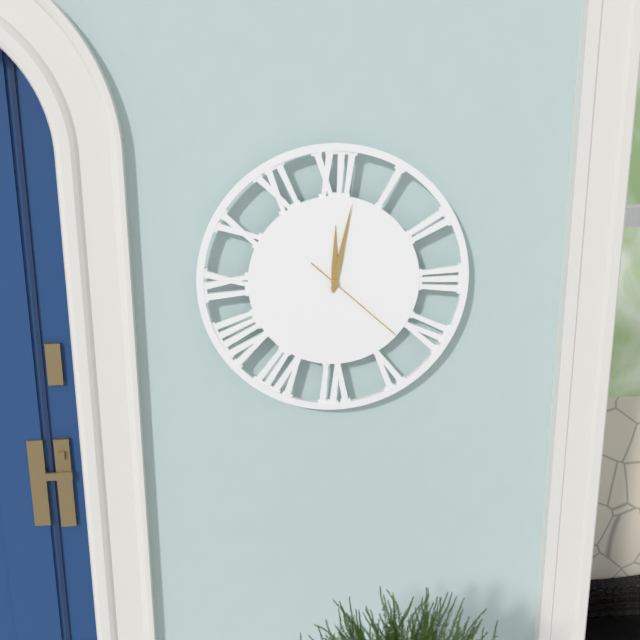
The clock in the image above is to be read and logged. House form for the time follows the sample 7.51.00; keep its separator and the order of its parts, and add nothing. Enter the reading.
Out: 12.02.22
